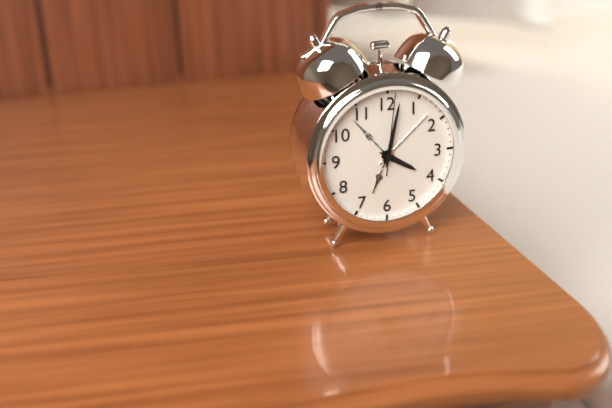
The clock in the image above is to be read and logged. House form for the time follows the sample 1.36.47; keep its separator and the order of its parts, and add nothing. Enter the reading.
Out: 4.02.01
